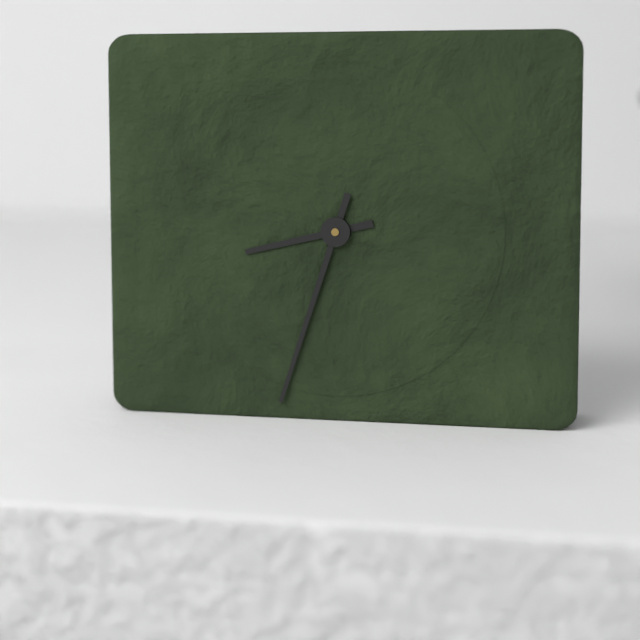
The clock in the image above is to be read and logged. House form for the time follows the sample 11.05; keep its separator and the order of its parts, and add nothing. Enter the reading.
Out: 8.33
